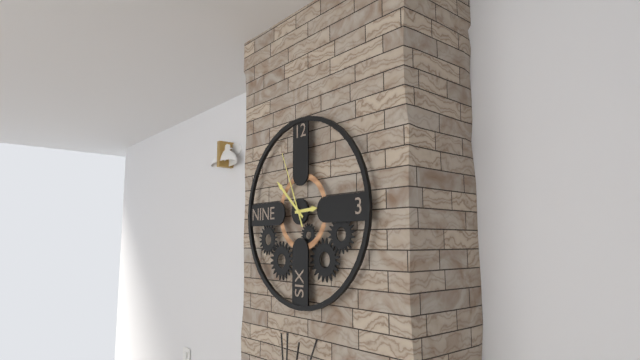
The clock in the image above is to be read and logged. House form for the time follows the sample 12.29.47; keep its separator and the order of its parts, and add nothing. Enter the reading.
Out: 2.52.56
